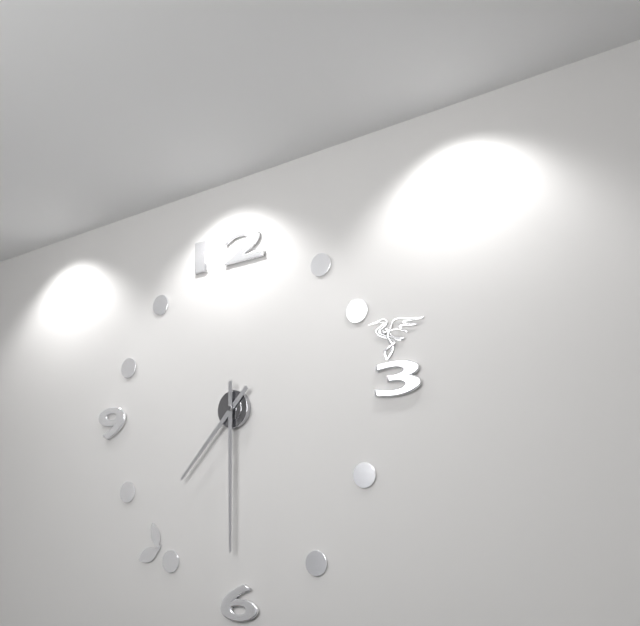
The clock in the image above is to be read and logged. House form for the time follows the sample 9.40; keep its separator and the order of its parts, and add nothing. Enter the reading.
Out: 7.30
